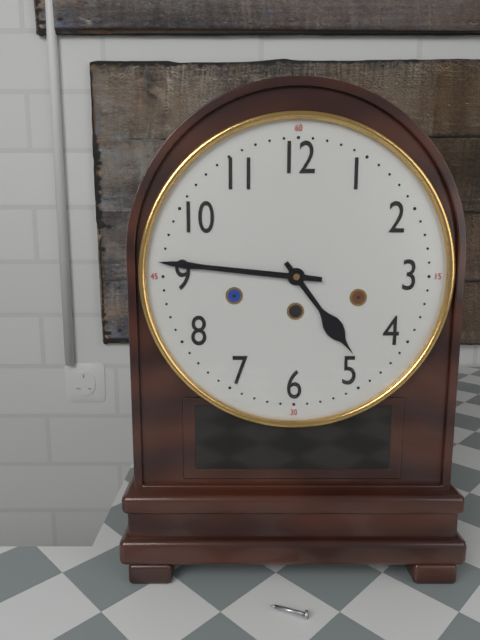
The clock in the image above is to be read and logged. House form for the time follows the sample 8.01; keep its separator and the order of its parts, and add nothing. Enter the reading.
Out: 4.46
